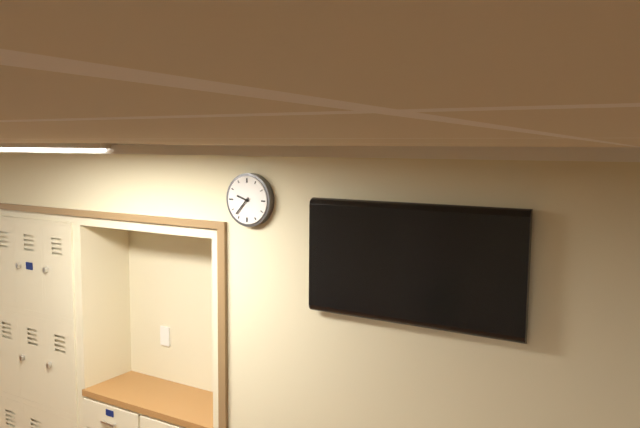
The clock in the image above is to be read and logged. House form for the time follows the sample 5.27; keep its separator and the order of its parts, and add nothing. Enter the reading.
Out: 9.37
